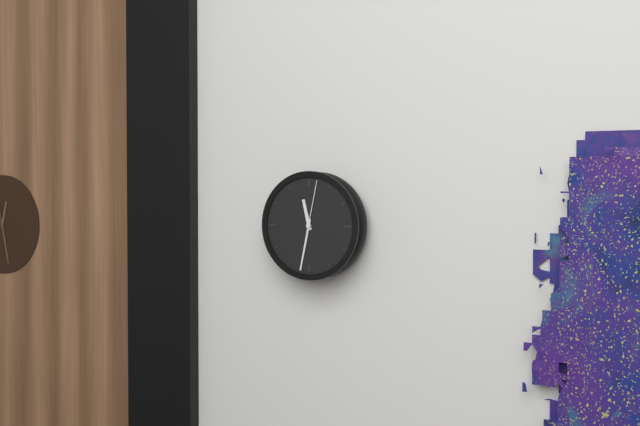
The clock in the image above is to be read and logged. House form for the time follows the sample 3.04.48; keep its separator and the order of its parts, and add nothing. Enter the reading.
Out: 11.32.02
